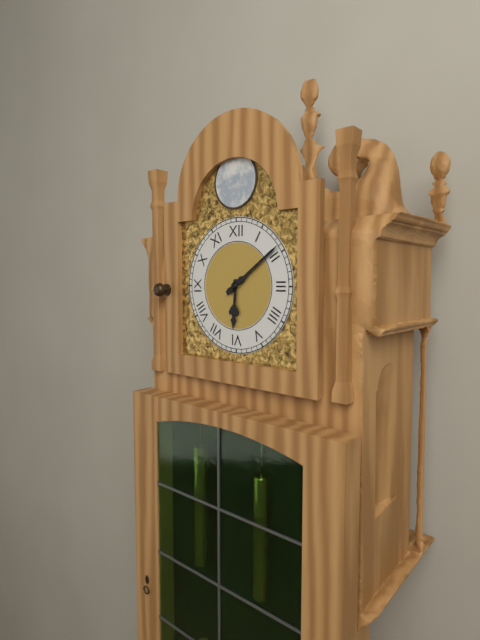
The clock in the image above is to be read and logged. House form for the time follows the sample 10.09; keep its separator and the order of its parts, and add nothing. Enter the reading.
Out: 6.09
